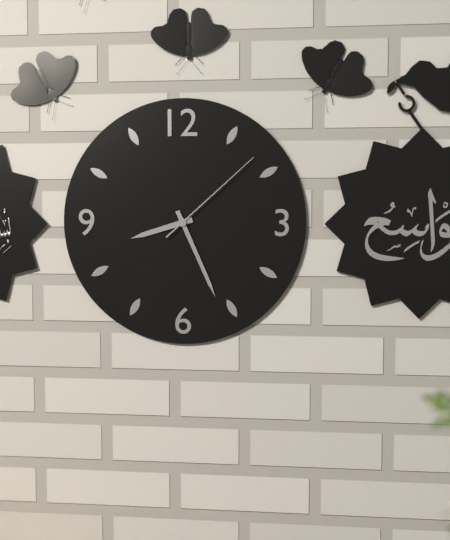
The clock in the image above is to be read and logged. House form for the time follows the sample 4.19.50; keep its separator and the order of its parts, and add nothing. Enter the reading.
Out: 8.26.08
